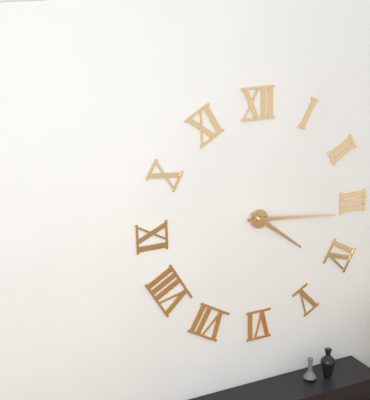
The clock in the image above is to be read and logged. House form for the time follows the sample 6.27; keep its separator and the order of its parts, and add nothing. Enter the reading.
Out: 4.16
